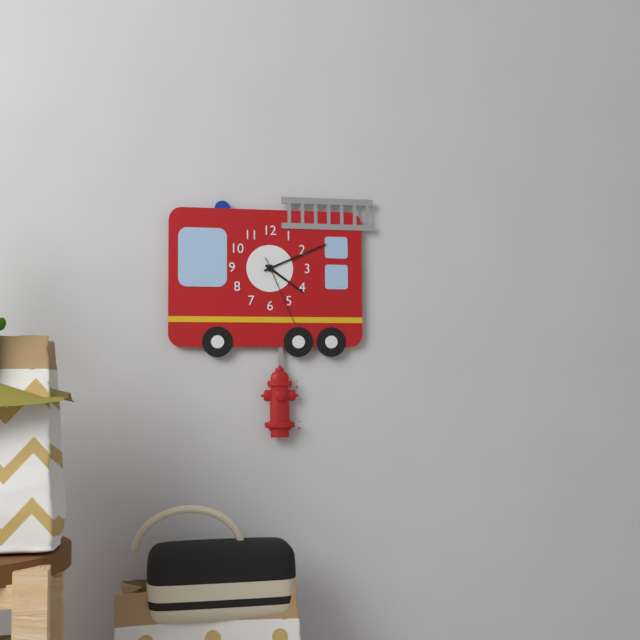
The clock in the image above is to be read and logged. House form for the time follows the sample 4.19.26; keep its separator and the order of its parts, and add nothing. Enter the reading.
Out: 4.11.26
